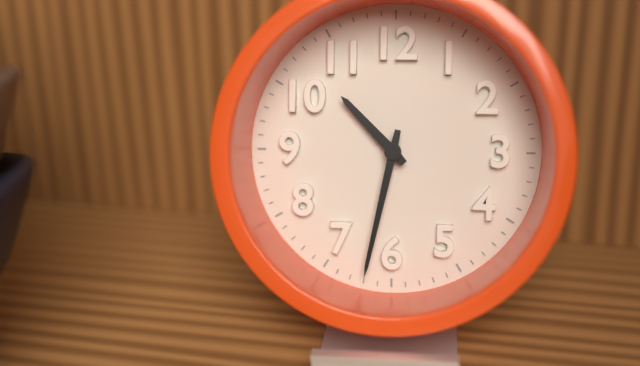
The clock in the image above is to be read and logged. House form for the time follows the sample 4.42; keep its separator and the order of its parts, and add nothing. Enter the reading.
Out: 10.32
